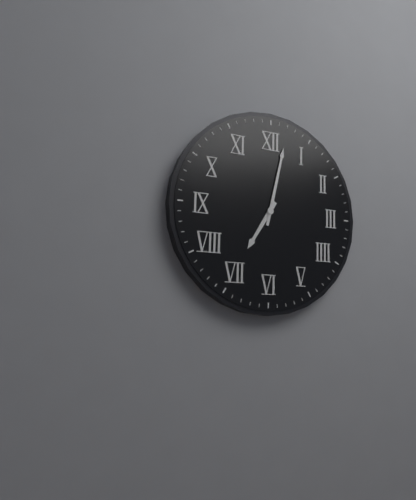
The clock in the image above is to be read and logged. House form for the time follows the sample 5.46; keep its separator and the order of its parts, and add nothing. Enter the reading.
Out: 7.02
